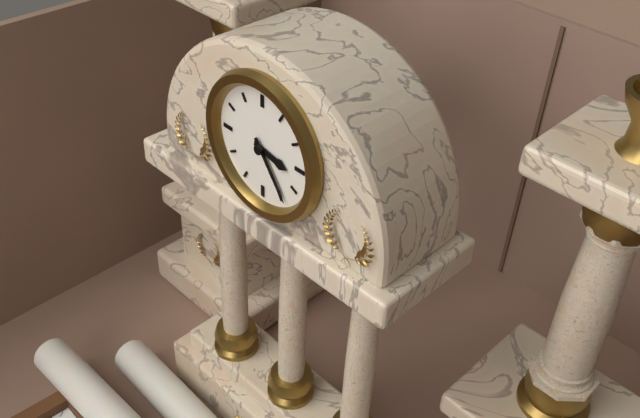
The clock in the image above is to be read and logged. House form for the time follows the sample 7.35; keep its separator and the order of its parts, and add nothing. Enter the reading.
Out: 3.24
